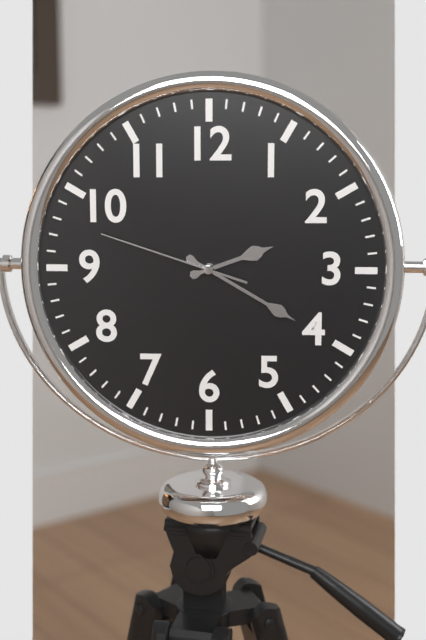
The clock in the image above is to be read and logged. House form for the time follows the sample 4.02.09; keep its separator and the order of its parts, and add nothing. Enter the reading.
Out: 2.20.48
